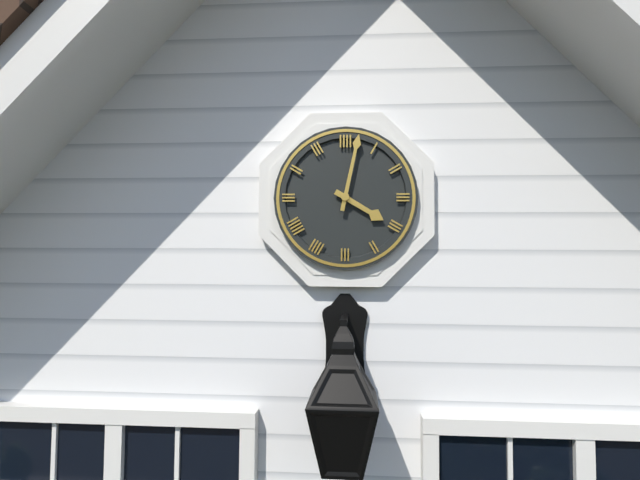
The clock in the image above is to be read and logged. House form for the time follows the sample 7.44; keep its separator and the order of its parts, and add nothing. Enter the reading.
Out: 4.02
